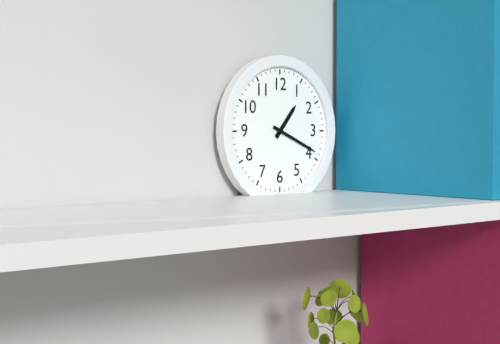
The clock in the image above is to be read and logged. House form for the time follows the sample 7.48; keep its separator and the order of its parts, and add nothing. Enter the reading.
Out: 1.19
